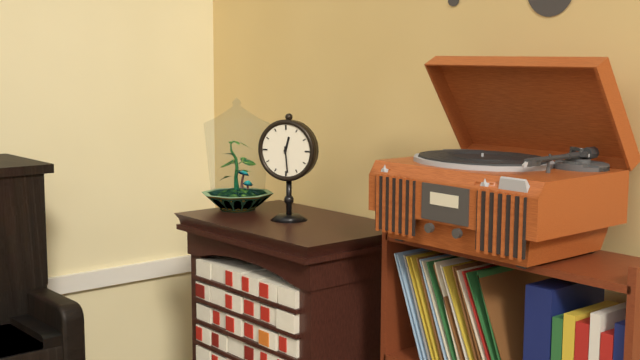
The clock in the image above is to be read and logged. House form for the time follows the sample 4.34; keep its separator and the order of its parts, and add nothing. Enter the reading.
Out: 12.29
